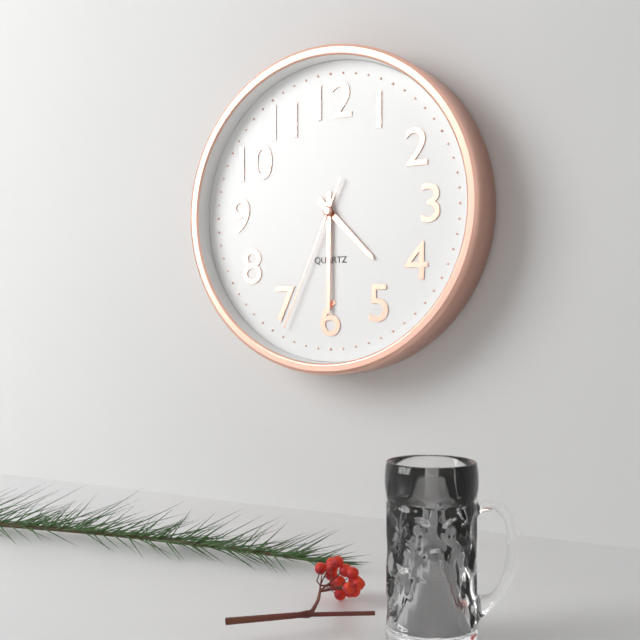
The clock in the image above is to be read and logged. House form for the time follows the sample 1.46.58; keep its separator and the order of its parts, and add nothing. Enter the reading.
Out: 4.30.34
